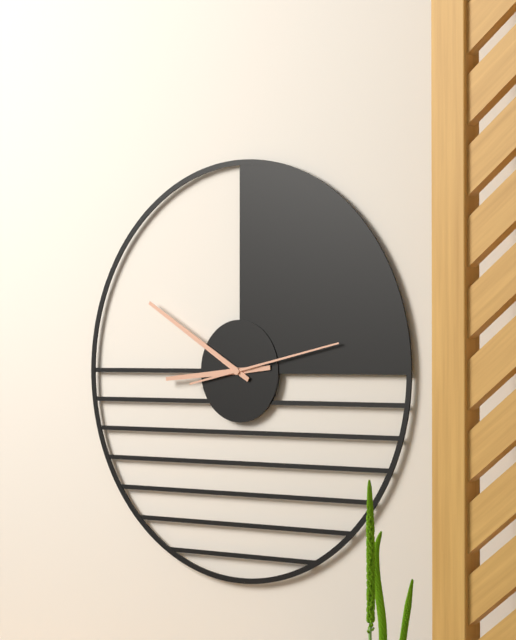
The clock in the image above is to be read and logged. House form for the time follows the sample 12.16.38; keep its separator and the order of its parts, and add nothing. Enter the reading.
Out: 8.50.13
